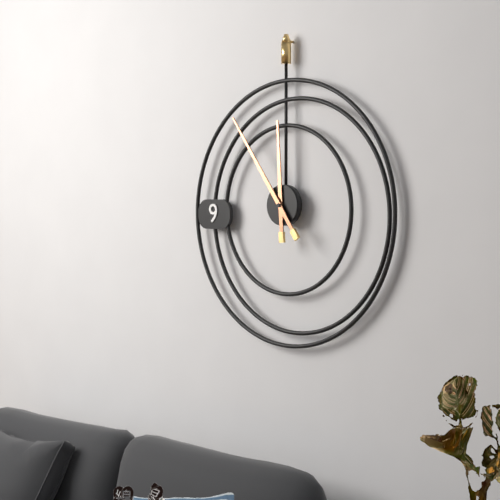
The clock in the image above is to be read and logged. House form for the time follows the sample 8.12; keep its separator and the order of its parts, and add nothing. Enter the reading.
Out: 11.54
